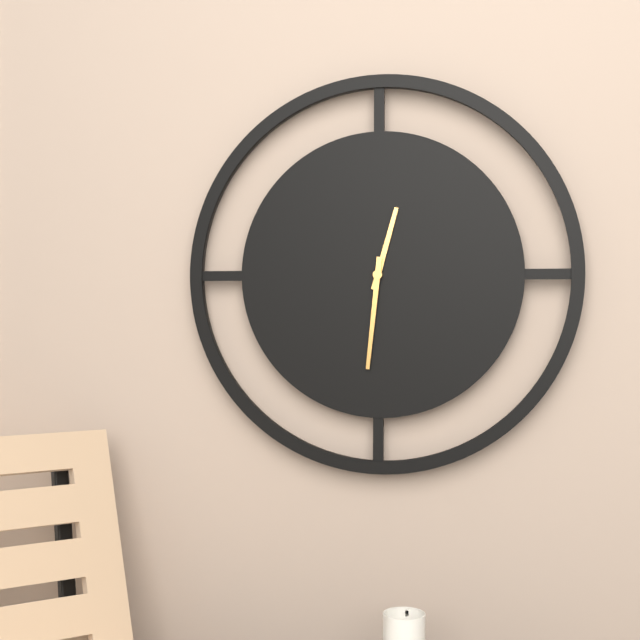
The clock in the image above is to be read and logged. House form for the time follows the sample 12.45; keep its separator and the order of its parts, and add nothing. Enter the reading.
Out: 12.31
